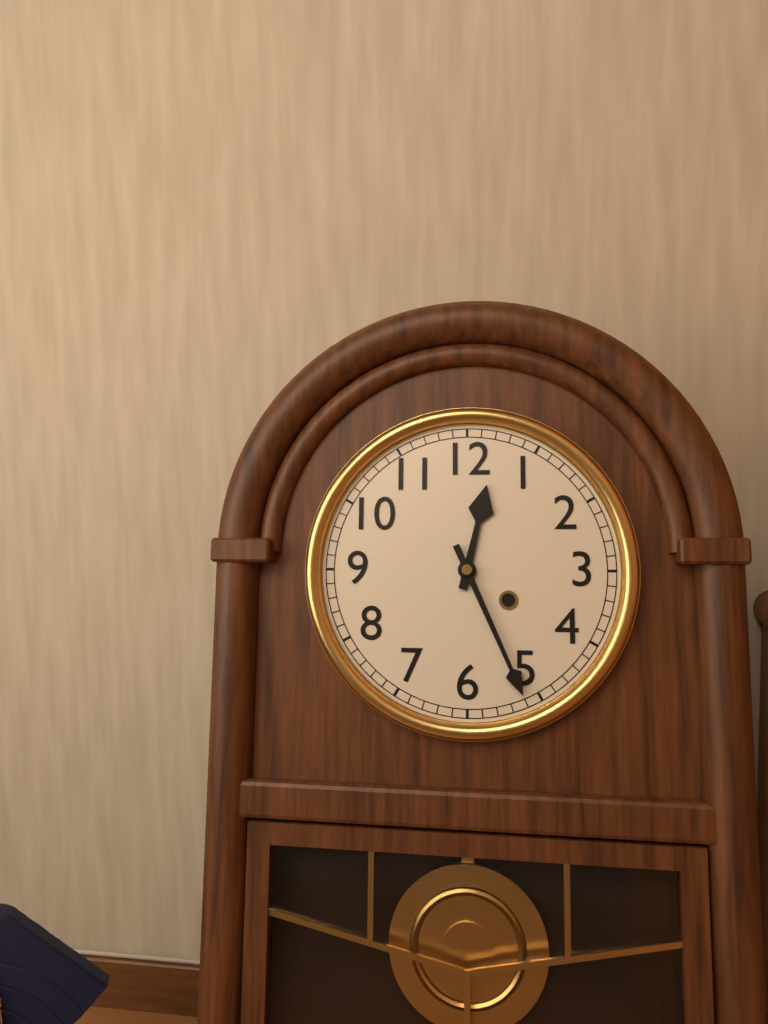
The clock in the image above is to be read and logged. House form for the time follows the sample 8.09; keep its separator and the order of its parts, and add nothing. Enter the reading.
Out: 12.26
